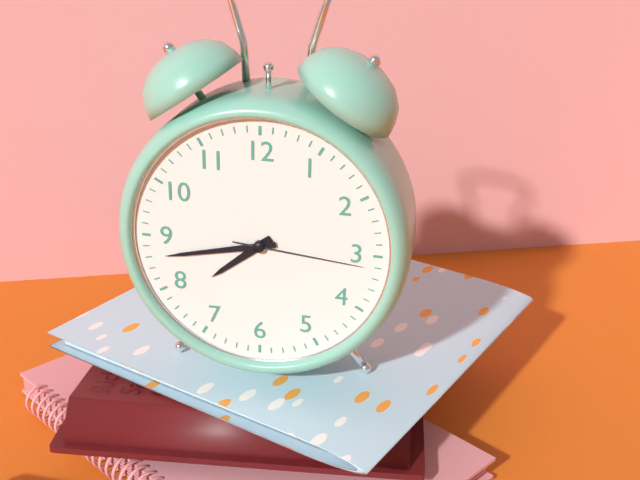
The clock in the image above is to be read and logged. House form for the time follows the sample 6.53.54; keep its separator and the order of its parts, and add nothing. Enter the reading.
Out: 7.43.16
